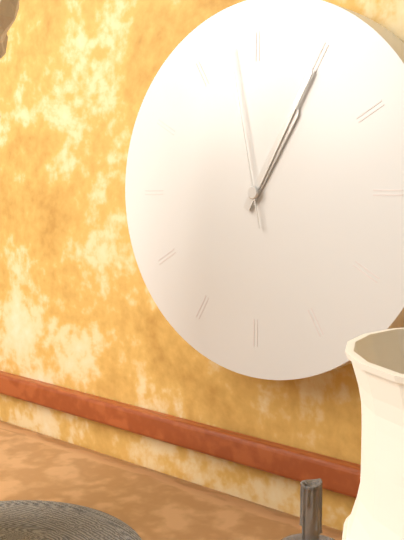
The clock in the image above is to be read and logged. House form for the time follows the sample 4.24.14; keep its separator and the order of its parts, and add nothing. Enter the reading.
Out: 1.05.58
